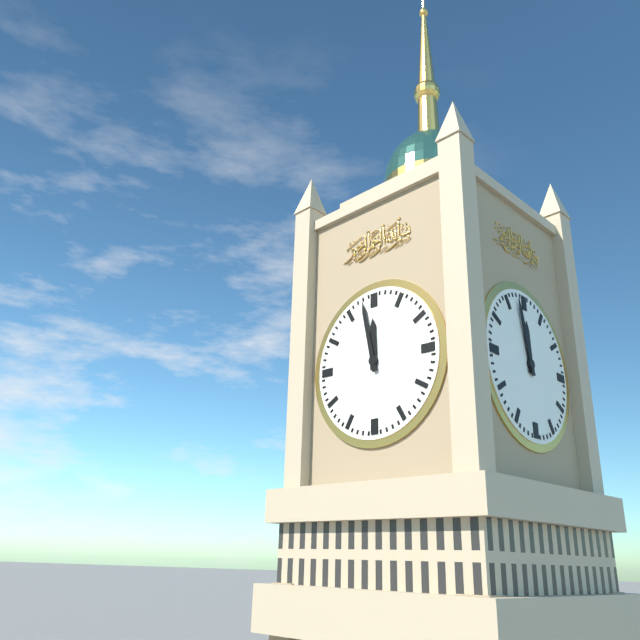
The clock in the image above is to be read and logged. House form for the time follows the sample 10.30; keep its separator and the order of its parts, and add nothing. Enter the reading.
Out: 11.58
